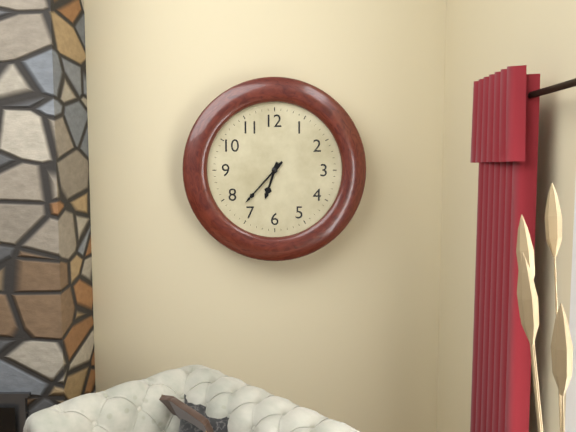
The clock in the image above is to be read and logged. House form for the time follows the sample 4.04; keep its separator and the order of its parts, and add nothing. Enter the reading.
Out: 6.37
